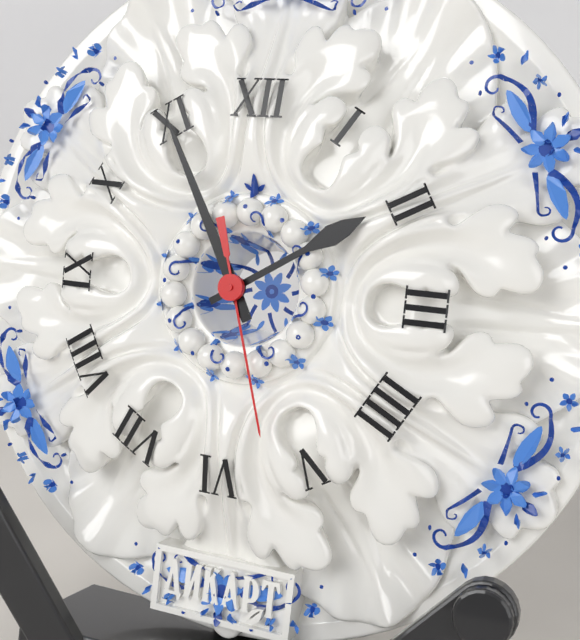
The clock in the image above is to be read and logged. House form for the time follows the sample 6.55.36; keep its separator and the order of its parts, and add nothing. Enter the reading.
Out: 1.55.27
